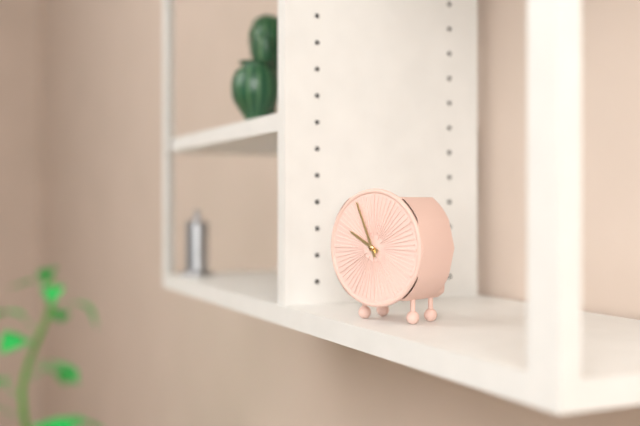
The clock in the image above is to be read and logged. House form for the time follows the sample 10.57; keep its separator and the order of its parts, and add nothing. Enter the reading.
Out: 9.56
